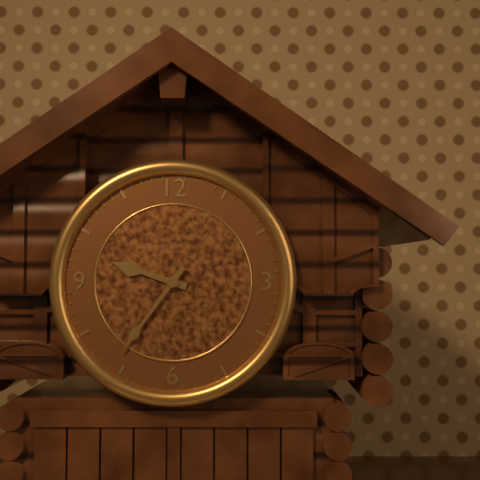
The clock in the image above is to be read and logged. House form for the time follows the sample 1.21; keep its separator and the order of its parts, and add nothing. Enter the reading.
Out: 9.36
